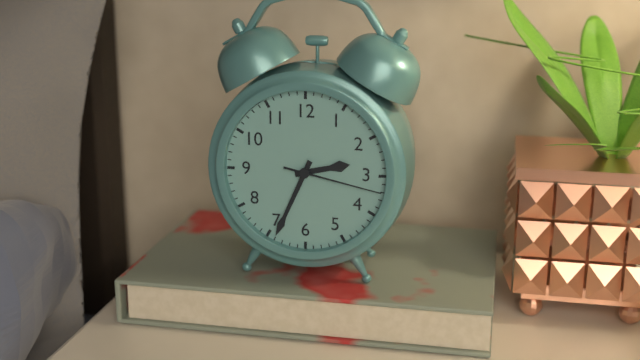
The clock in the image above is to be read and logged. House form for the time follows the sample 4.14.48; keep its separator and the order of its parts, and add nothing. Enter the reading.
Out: 2.34.17
